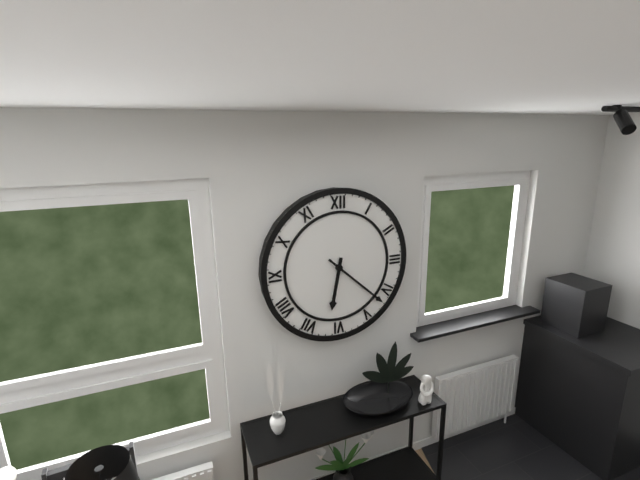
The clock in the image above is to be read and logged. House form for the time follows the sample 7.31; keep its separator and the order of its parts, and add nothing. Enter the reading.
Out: 6.22
